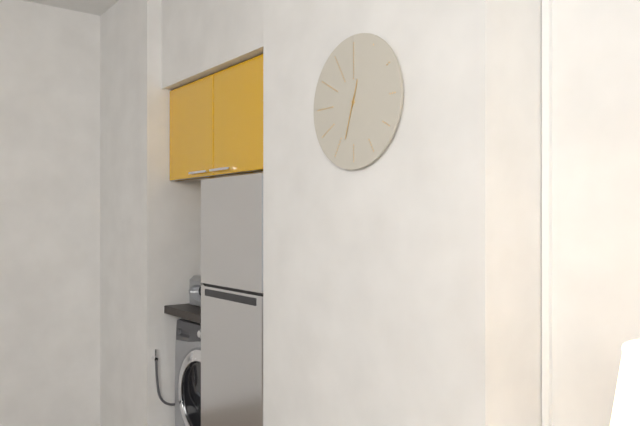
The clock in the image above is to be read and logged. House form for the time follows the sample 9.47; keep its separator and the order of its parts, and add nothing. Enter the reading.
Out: 12.33
